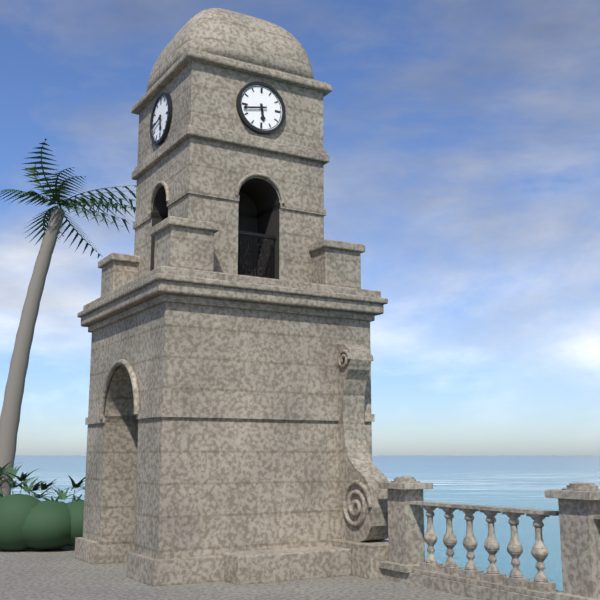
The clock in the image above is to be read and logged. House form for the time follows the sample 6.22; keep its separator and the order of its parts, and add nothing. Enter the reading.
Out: 5.43
